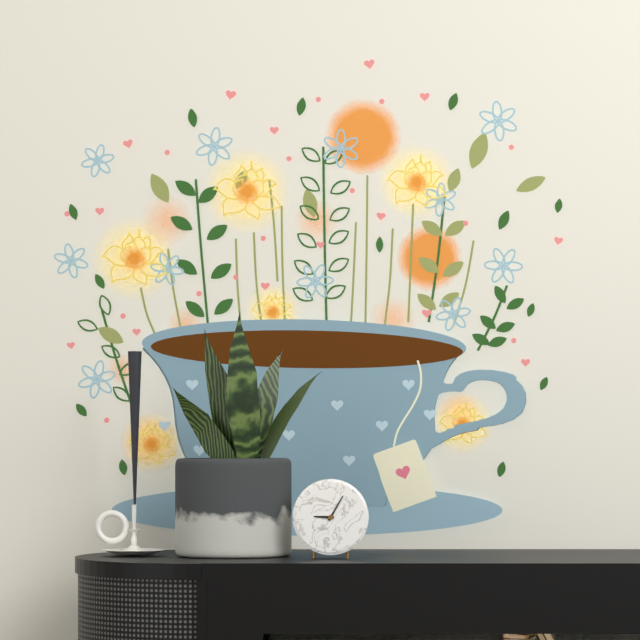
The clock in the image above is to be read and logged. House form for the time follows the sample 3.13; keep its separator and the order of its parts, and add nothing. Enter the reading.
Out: 9.05
